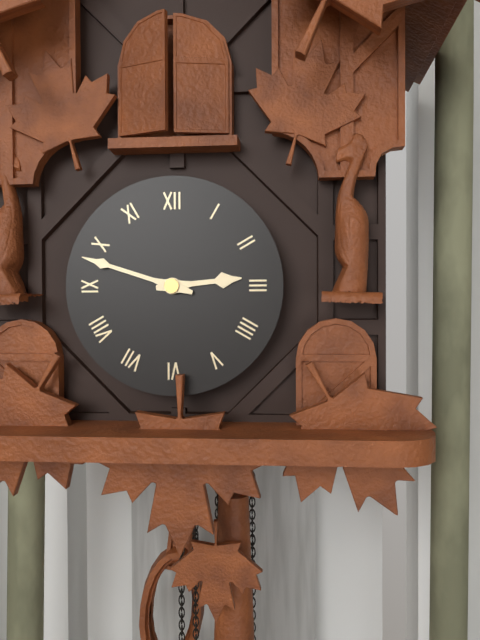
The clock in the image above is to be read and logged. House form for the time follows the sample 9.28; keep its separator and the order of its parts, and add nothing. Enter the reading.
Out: 2.48
